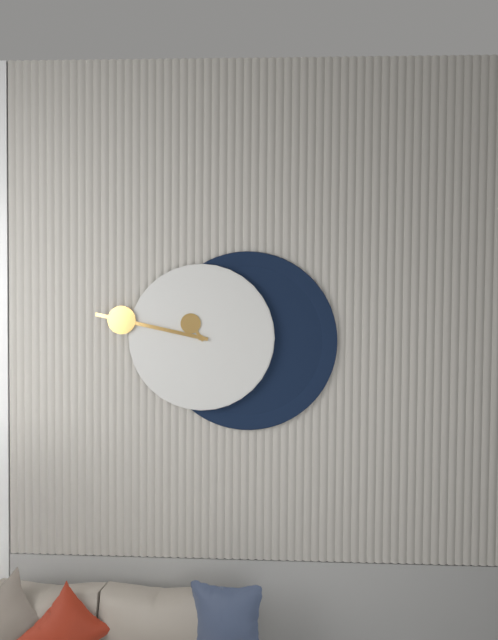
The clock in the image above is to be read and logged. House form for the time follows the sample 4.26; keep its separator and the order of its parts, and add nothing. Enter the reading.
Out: 10.47
